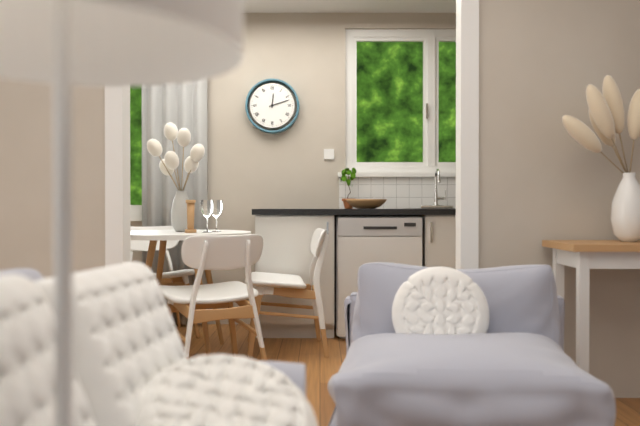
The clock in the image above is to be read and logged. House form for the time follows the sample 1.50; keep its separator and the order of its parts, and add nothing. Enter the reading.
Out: 12.12
